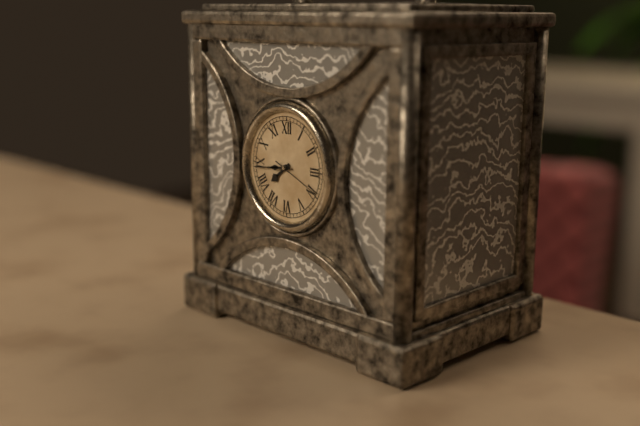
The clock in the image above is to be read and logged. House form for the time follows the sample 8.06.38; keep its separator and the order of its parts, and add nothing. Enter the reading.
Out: 7.44.19
